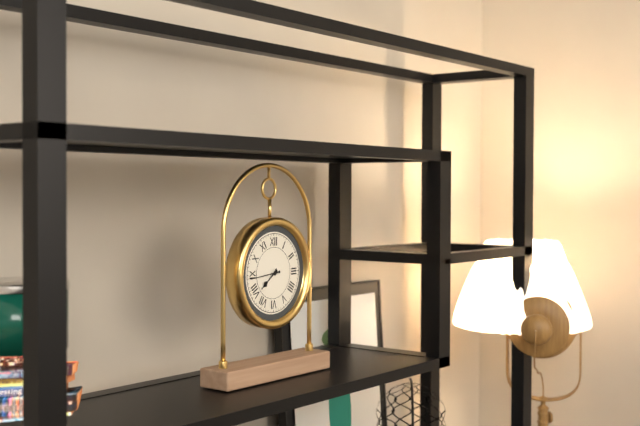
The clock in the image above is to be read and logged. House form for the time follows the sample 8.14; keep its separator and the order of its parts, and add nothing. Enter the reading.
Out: 7.44
